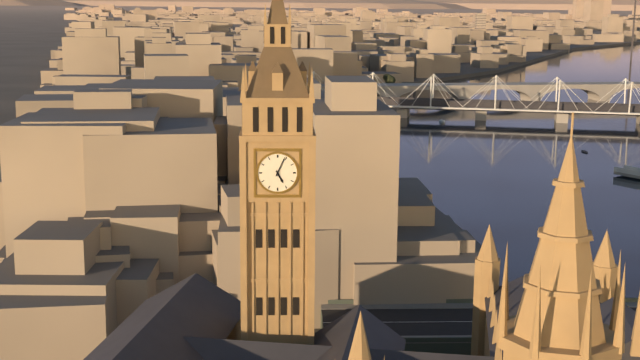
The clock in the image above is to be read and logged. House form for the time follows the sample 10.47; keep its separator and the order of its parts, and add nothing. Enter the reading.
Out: 5.04
